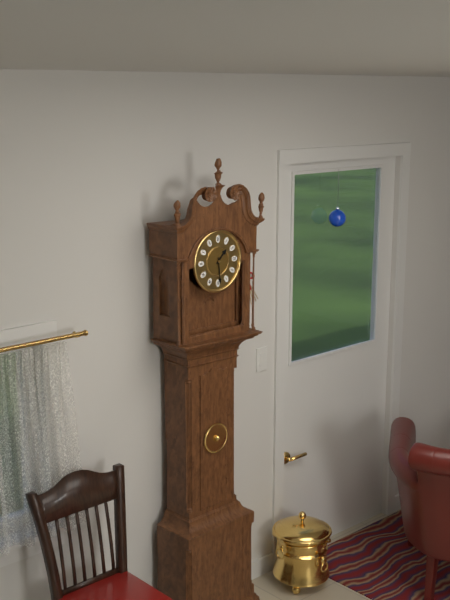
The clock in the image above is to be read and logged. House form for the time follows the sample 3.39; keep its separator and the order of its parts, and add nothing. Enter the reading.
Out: 1.29
